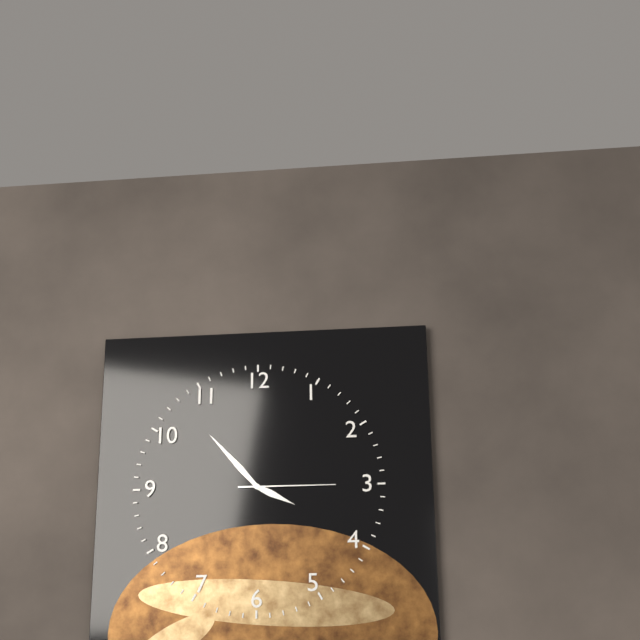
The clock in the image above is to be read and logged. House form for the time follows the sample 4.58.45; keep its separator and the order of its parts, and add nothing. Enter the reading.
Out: 3.53.15
